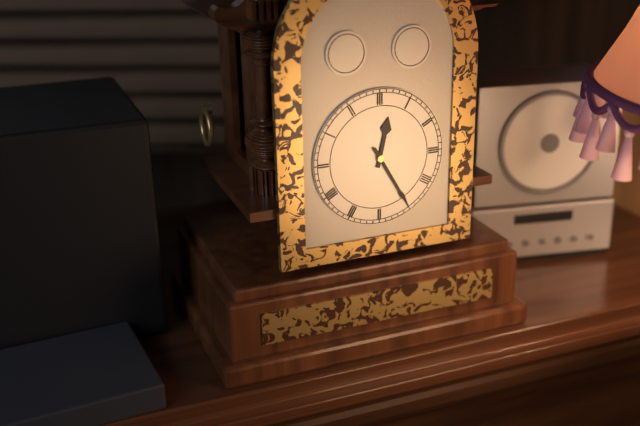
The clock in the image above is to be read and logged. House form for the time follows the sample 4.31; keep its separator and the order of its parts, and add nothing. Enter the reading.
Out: 12.25
